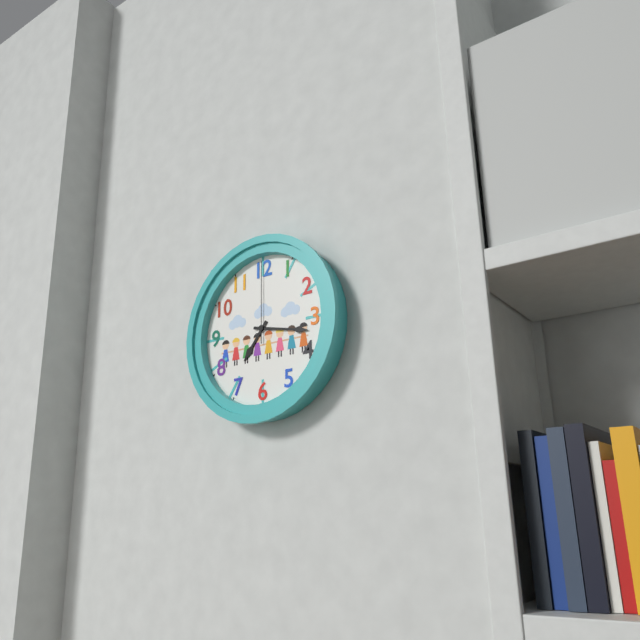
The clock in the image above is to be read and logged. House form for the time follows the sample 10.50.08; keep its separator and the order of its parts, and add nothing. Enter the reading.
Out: 7.17.00
